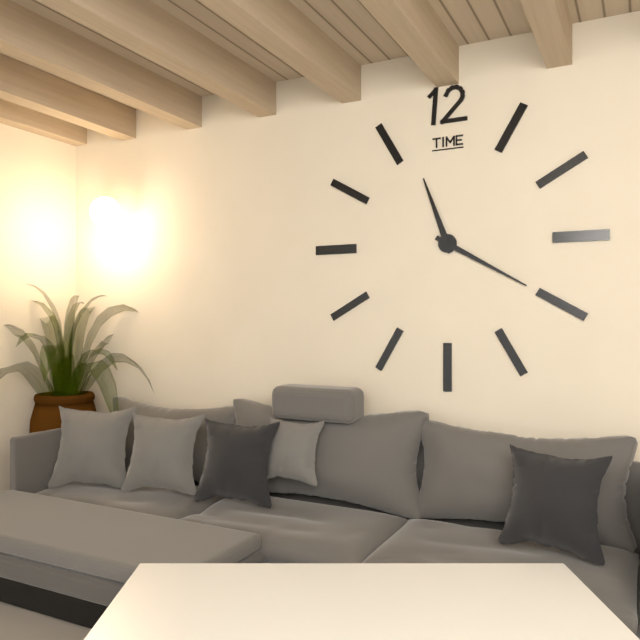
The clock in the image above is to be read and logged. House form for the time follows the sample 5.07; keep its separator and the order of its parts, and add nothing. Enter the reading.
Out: 11.20
